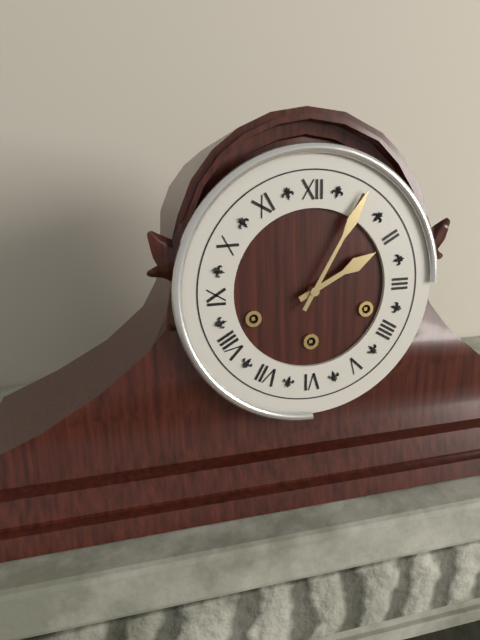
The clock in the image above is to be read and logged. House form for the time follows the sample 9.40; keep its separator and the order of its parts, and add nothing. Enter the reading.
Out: 2.05
